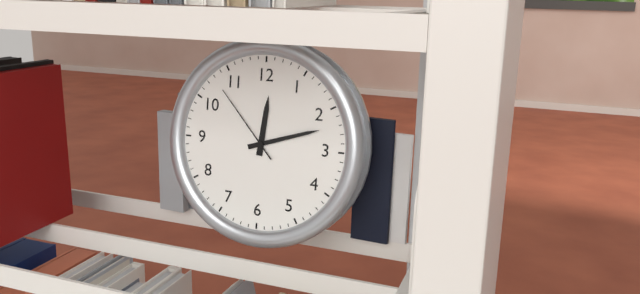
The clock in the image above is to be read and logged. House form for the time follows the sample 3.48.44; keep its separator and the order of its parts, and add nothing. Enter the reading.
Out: 12.12.53
